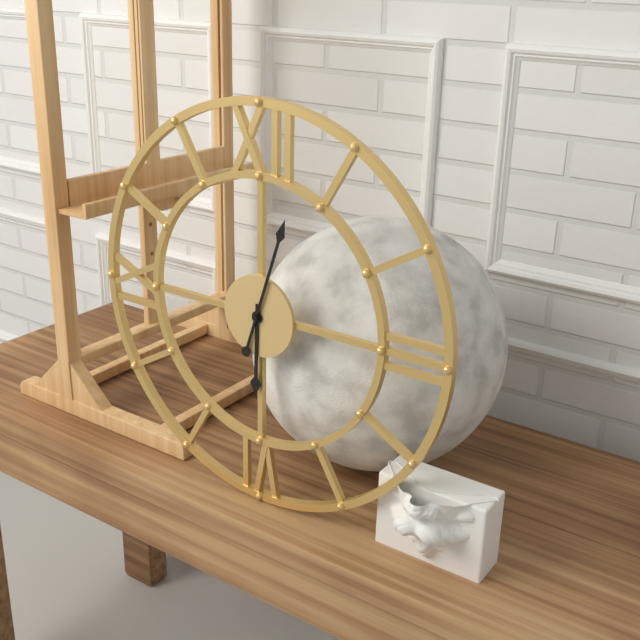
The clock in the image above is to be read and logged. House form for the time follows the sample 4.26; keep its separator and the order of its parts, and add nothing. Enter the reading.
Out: 6.03
